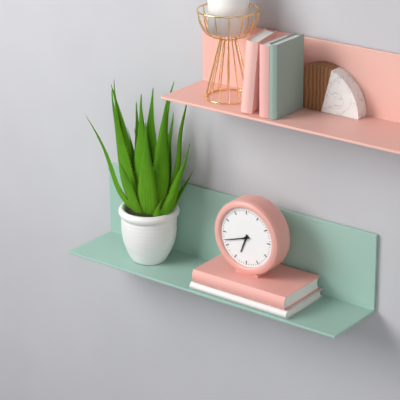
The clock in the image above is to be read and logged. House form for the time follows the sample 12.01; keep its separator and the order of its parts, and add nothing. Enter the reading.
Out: 6.42
